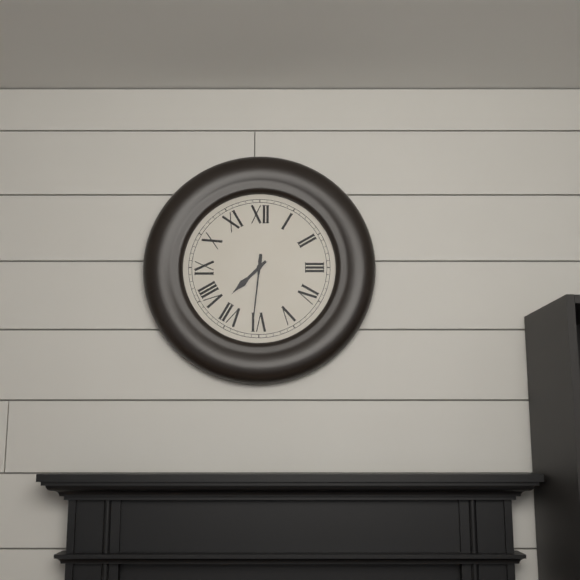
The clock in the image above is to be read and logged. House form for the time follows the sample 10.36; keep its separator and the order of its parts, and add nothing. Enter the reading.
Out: 7.31
